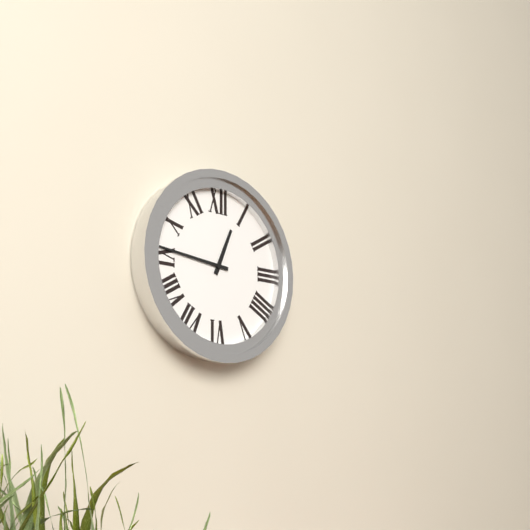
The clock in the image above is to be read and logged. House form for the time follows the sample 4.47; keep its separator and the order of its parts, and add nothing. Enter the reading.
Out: 12.46
